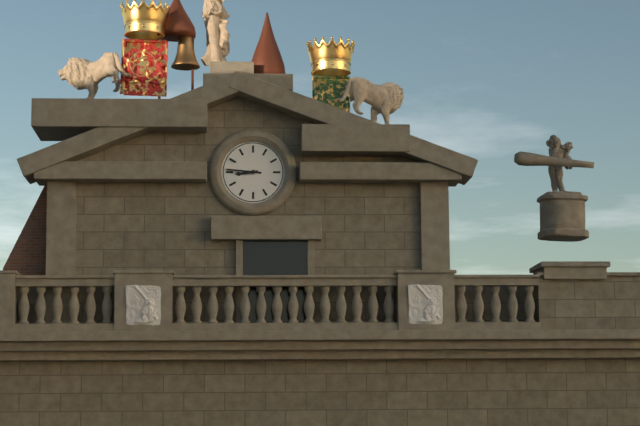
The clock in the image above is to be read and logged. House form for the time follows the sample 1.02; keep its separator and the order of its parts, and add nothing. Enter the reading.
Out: 8.46
